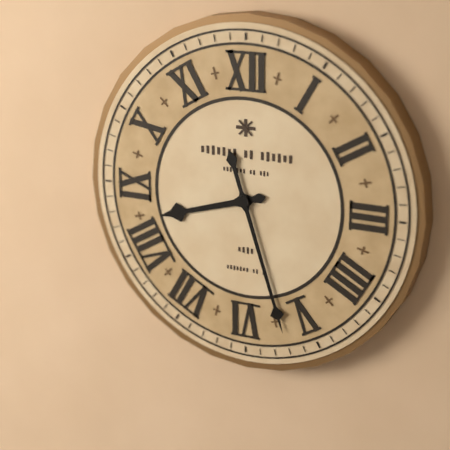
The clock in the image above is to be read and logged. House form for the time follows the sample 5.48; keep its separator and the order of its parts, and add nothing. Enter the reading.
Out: 8.27
